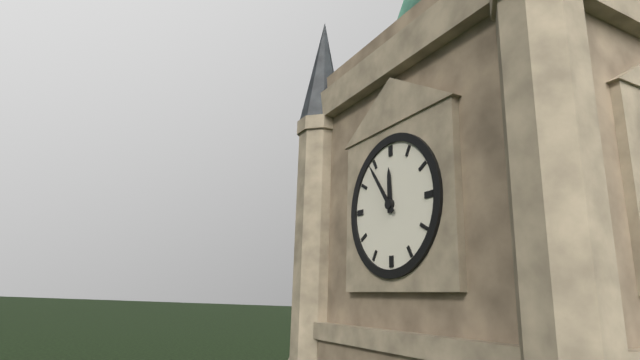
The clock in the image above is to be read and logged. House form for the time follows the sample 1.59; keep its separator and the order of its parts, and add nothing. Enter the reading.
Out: 11.54
